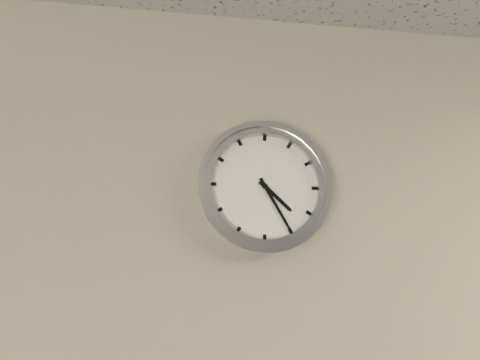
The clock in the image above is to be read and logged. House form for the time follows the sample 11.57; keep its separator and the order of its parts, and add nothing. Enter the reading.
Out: 4.25
